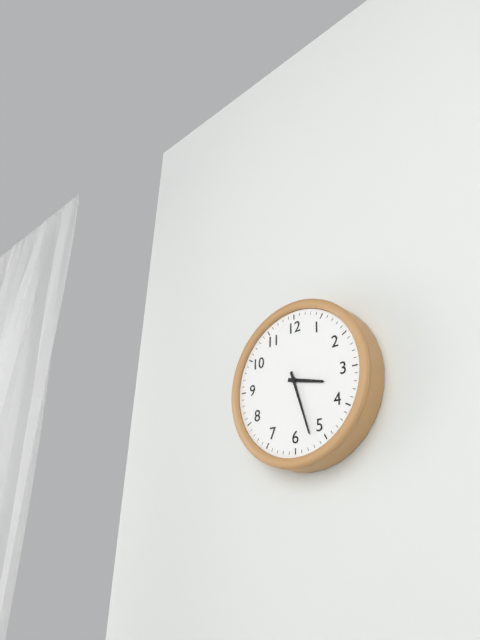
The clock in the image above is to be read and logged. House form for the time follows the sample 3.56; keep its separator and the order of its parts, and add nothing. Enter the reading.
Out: 3.27
